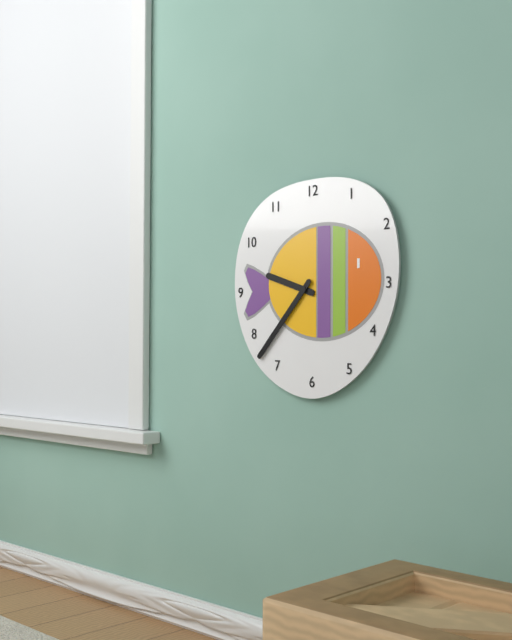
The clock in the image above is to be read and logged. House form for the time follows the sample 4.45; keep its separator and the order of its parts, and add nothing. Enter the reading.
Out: 9.37
